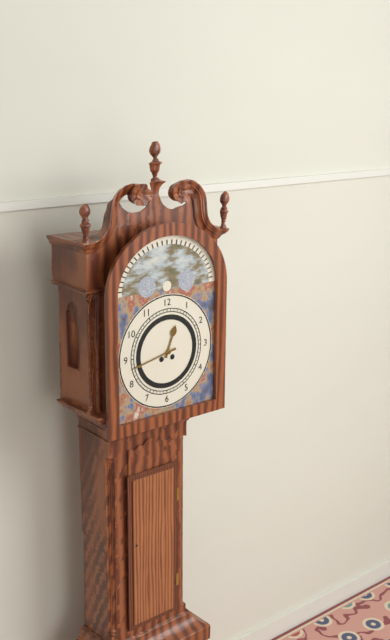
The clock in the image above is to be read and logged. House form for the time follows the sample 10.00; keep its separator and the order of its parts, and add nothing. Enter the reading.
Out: 12.43
